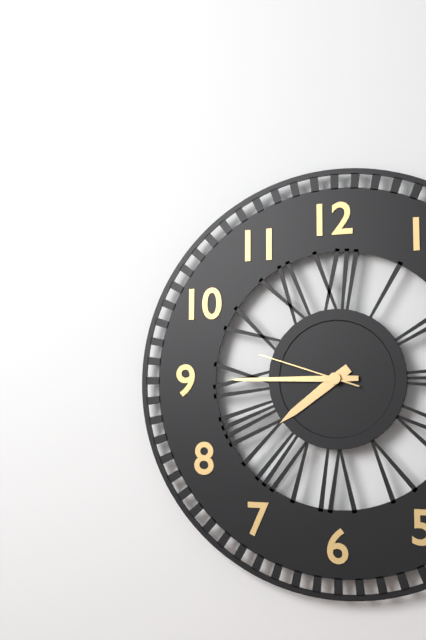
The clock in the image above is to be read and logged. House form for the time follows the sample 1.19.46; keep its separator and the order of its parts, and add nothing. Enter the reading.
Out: 7.45.48
